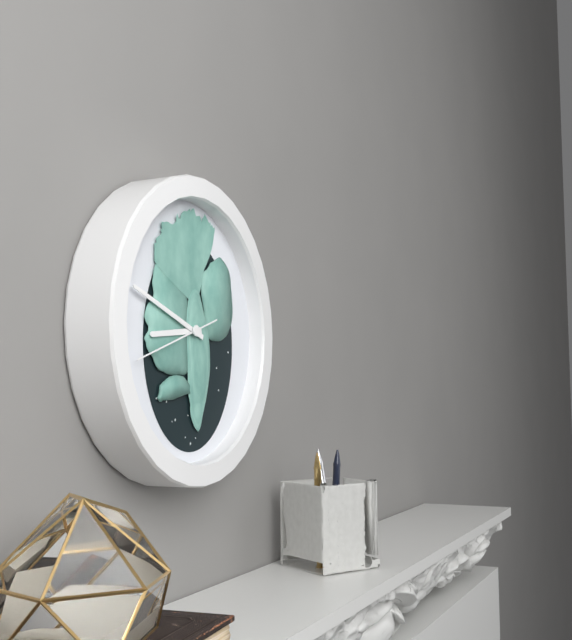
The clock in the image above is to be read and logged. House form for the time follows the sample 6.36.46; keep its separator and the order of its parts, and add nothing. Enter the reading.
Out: 8.48.42
